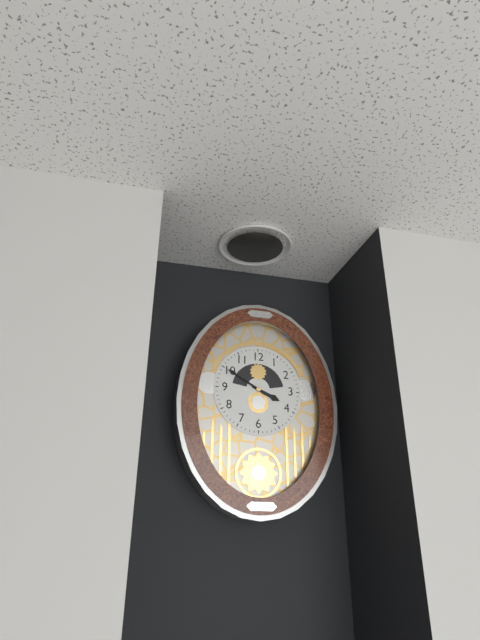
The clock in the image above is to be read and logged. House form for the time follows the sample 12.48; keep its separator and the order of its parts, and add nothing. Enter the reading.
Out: 3.50
